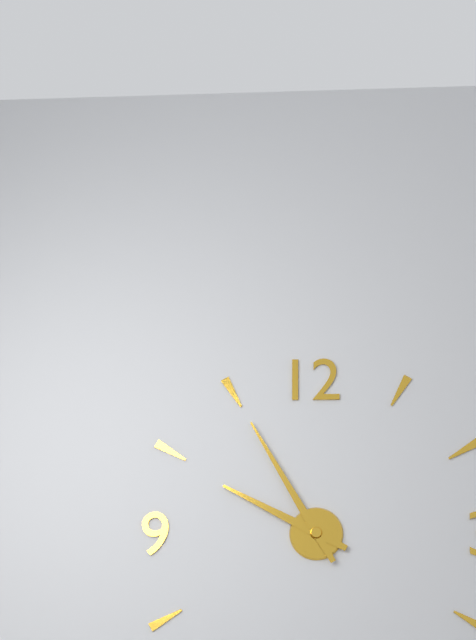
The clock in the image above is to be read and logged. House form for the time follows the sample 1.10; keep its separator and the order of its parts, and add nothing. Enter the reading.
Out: 9.55
